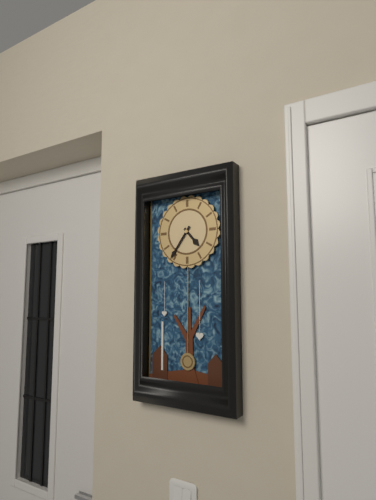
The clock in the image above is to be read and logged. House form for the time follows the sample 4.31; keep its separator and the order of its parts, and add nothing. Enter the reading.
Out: 4.36
